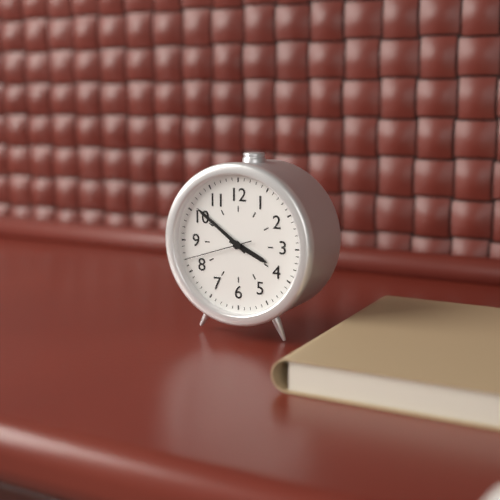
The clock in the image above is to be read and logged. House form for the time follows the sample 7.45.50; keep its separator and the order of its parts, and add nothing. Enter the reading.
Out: 3.51.42
